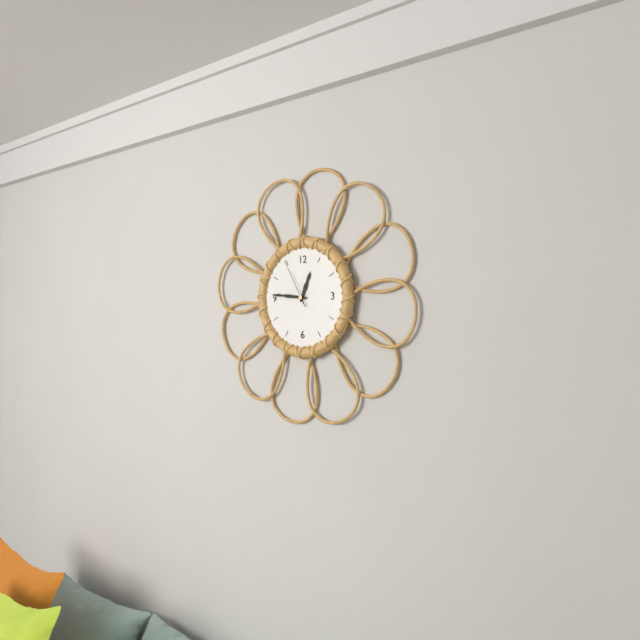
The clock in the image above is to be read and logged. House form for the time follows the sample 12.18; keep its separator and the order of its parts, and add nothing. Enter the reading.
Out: 12.46
